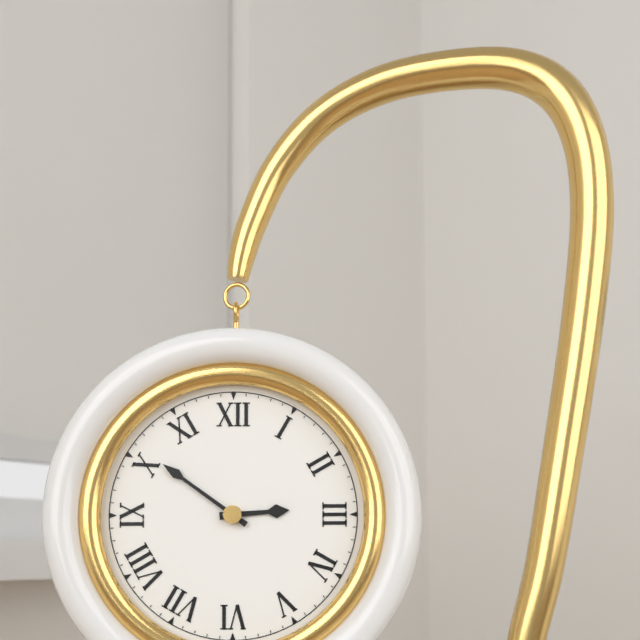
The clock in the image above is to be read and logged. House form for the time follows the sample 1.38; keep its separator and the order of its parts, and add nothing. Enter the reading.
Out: 2.51
